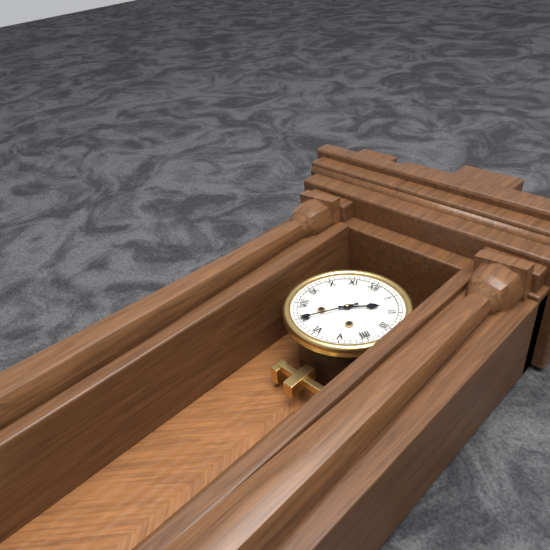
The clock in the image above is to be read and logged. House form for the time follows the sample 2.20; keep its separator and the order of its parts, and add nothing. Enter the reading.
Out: 1.35
